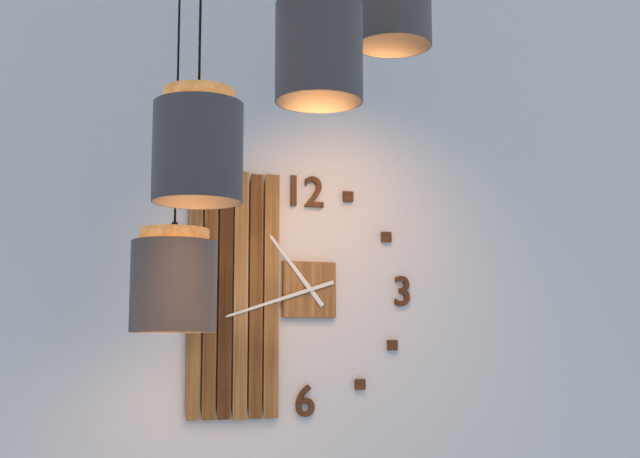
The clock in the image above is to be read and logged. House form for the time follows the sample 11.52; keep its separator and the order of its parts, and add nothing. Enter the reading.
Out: 10.42
